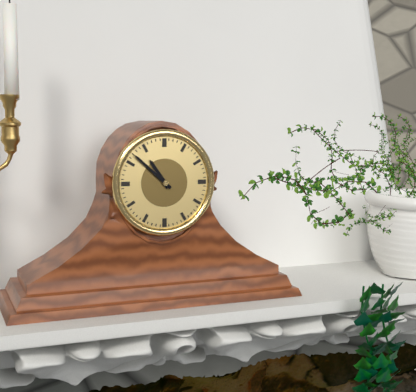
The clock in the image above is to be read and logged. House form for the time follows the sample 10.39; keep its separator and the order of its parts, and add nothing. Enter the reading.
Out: 10.52
